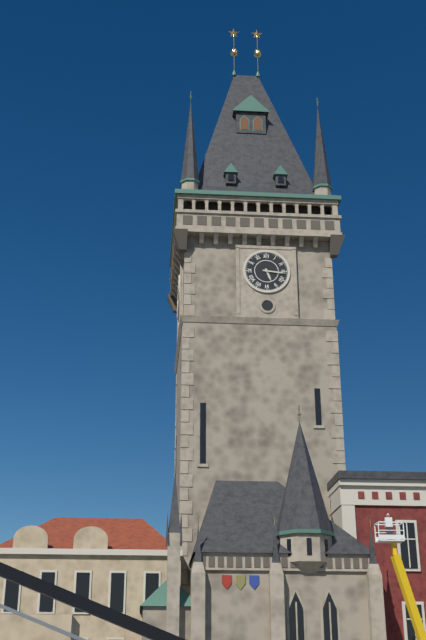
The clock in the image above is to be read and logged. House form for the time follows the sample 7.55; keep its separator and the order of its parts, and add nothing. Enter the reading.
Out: 5.16
